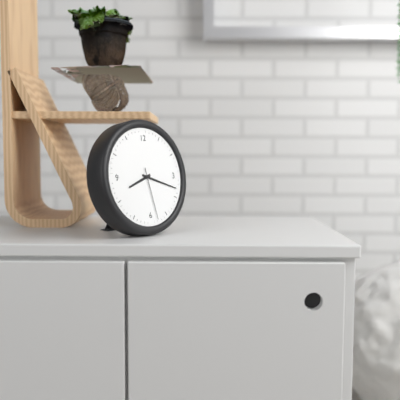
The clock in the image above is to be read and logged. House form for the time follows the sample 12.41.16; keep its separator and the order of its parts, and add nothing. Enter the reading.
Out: 8.18.28
